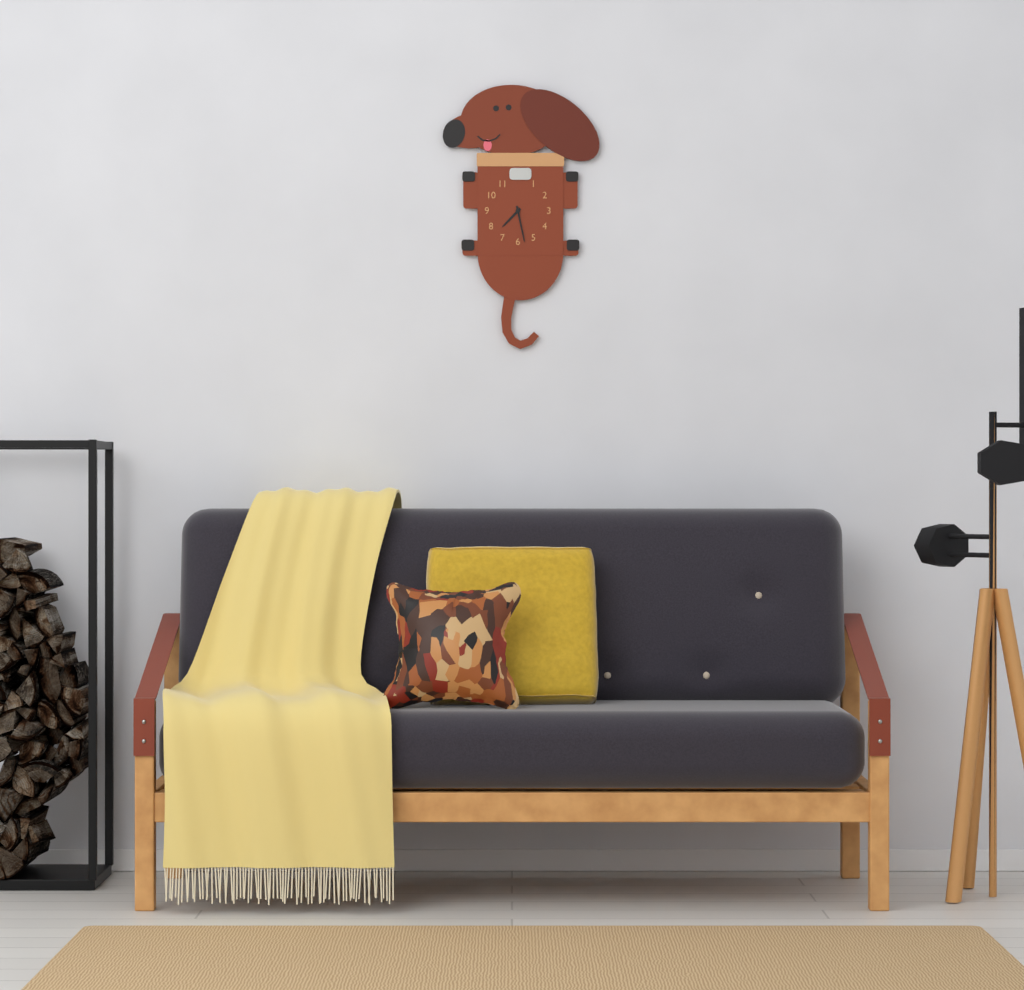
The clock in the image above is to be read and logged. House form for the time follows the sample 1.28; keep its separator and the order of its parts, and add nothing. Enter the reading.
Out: 7.28
